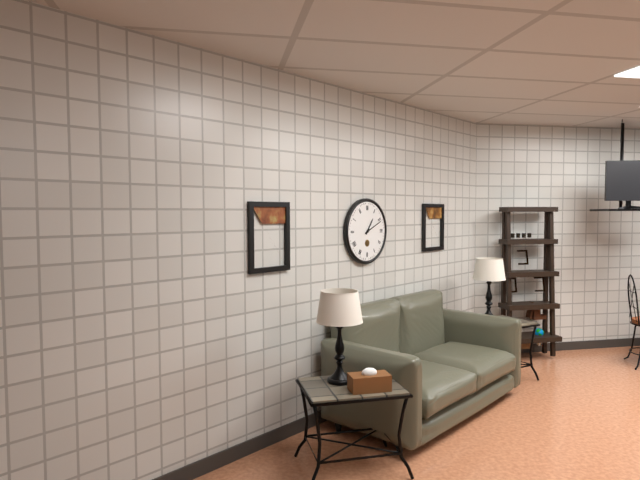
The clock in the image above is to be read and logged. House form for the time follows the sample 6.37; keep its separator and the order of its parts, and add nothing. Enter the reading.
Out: 1.11
